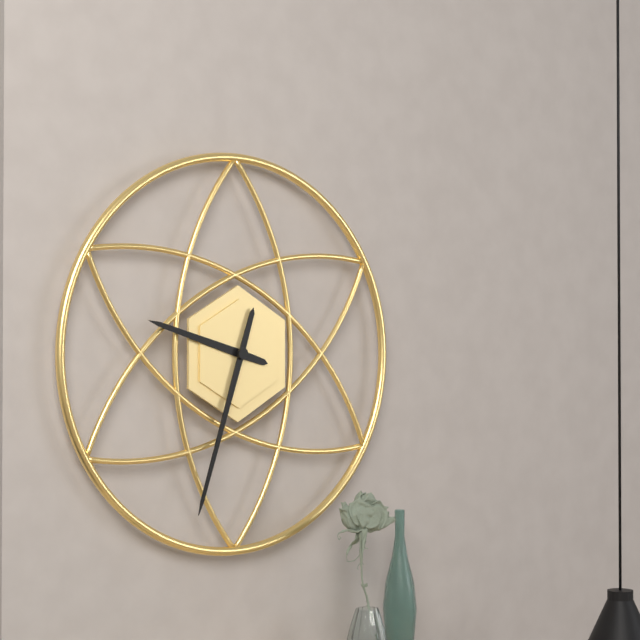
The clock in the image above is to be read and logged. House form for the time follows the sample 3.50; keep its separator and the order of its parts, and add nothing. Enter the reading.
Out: 9.33
